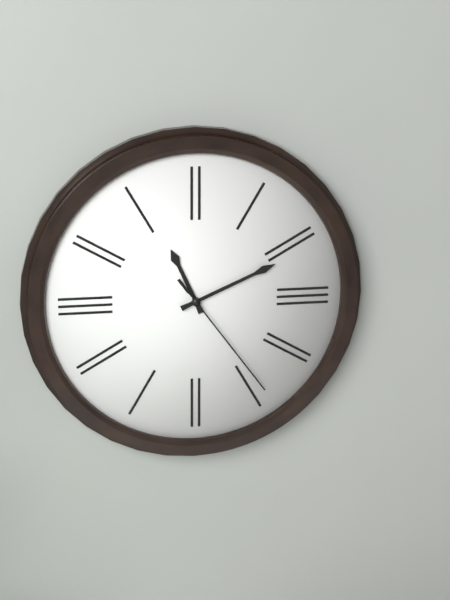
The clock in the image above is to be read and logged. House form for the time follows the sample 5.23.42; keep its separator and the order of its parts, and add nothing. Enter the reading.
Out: 11.11.24
